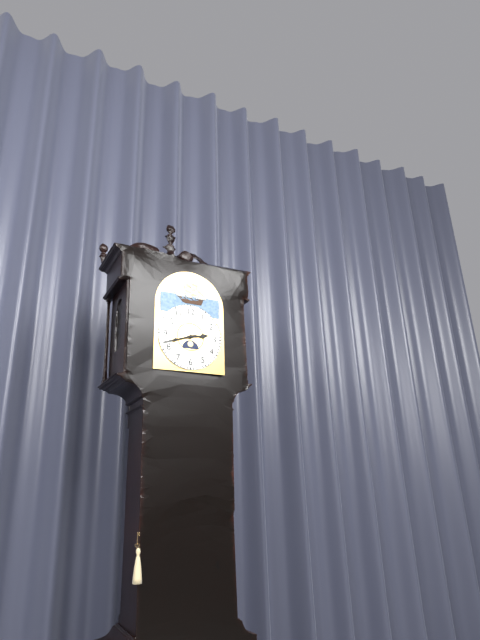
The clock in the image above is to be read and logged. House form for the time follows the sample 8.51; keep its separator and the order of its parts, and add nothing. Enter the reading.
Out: 2.42
